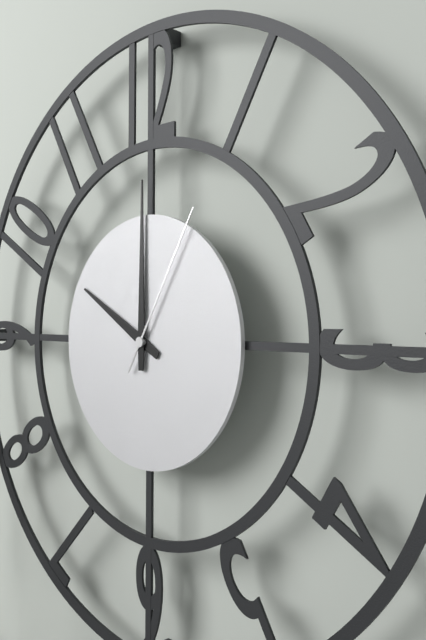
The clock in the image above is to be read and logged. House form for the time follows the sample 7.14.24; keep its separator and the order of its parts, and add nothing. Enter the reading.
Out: 10.00.05
